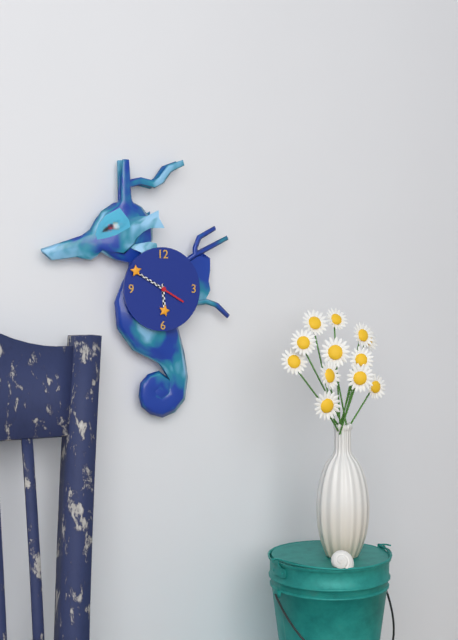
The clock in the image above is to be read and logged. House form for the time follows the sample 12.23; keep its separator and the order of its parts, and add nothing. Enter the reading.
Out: 5.50
